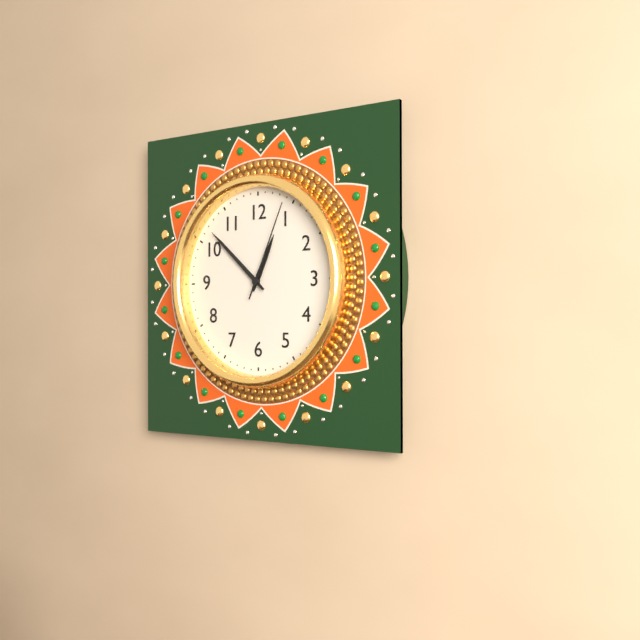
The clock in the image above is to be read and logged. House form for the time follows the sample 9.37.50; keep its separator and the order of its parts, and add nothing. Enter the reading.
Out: 12.52.04
